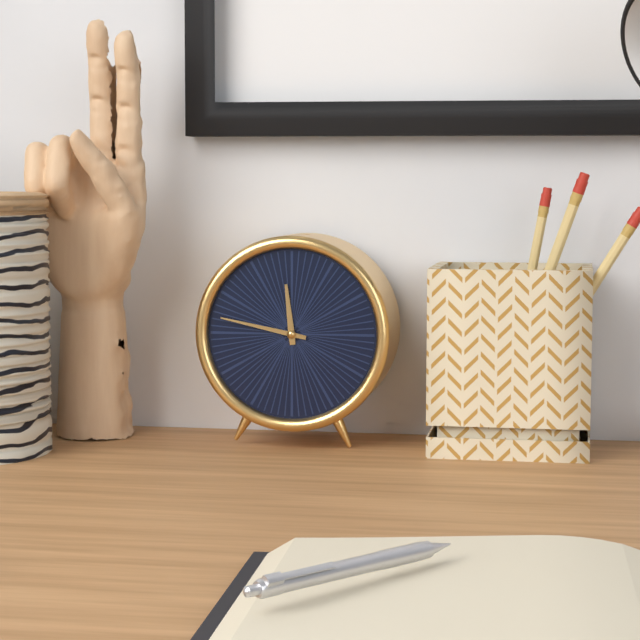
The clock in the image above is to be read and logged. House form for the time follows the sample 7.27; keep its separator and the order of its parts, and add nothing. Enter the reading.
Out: 11.47
